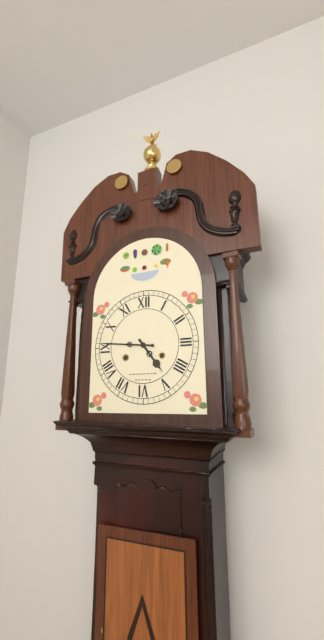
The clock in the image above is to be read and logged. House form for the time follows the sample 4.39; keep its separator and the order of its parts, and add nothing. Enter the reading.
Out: 4.46
